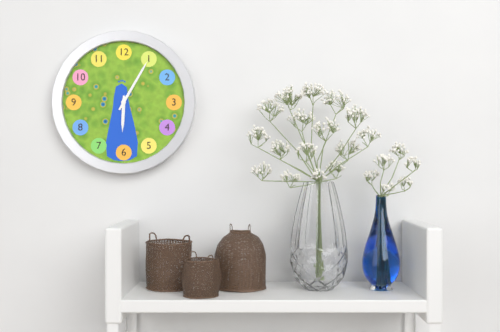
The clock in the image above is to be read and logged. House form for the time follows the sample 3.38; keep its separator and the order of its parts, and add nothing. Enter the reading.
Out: 6.05
